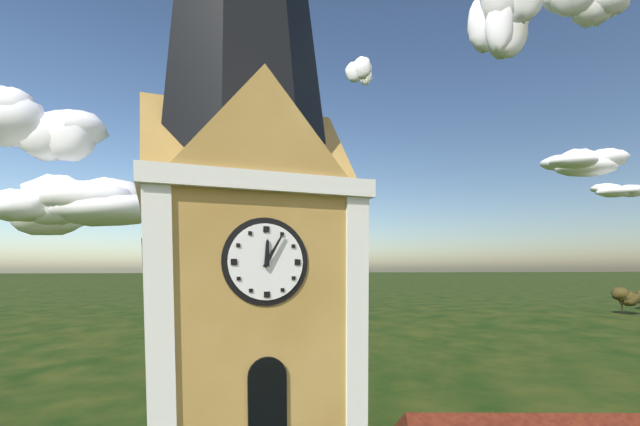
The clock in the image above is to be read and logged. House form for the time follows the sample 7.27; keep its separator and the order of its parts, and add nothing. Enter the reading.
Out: 12.05
